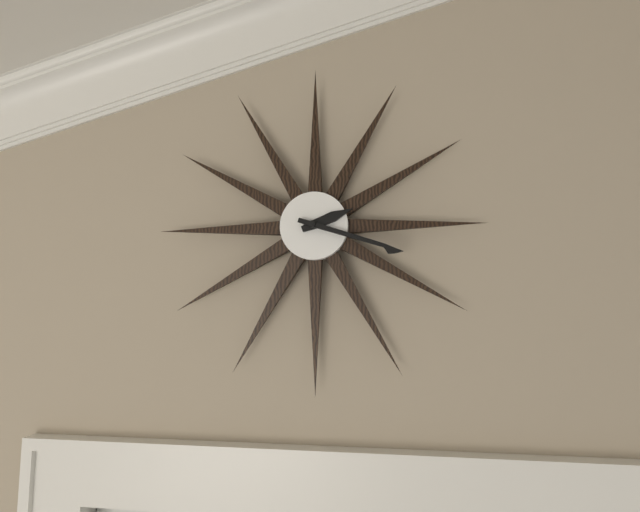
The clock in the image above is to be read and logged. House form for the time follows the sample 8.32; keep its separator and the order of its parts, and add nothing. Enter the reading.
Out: 2.18
